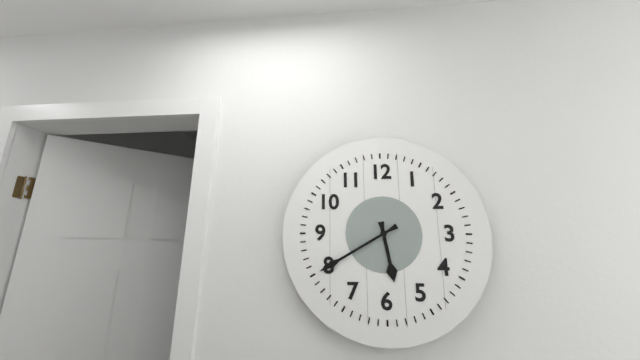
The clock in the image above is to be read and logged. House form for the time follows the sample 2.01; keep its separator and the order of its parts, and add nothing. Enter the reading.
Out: 5.40
